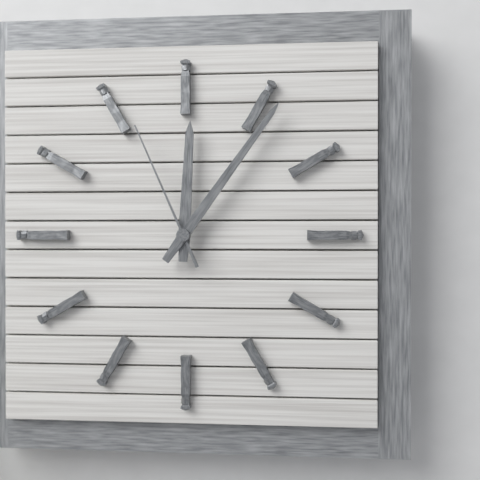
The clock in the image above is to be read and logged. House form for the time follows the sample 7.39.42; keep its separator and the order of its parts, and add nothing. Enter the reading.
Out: 12.06.56
